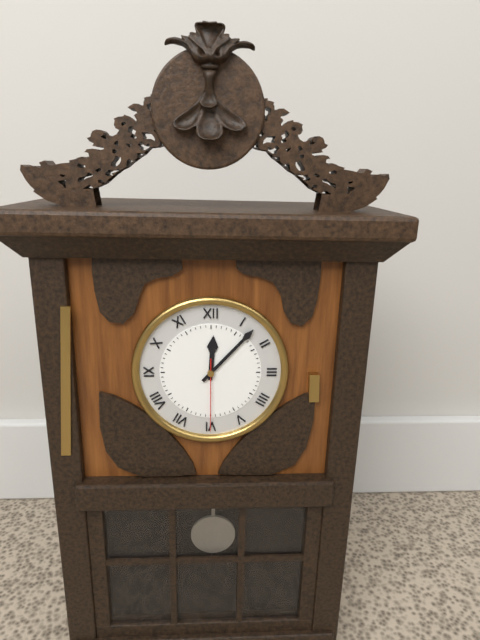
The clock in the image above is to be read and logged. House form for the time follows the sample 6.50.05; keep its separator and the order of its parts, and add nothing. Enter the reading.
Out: 12.07.30
